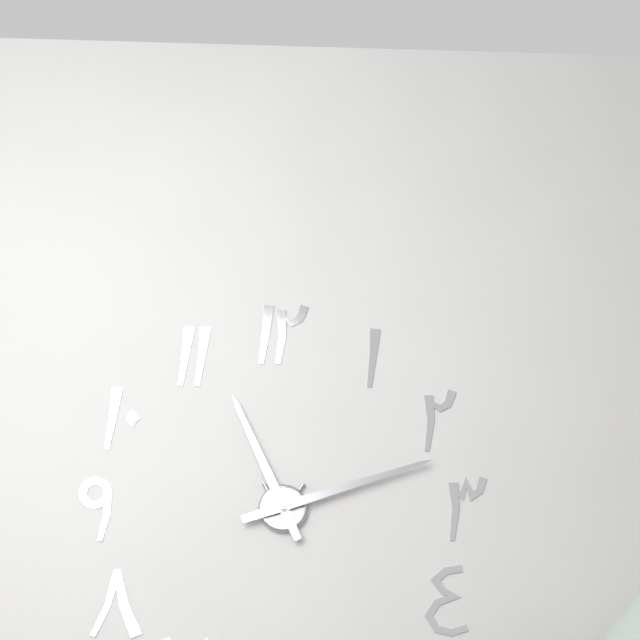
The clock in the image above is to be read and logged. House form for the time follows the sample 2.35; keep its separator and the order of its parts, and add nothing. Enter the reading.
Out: 11.12
